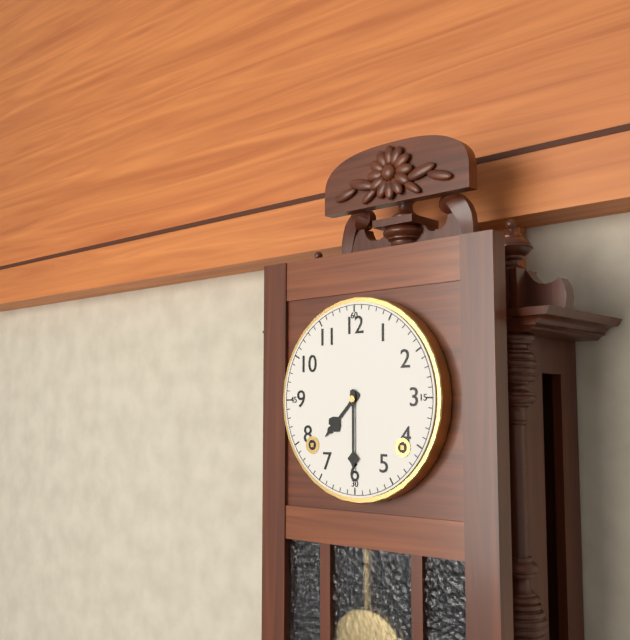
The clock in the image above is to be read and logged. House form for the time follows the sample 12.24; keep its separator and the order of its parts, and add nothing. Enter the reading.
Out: 7.30
